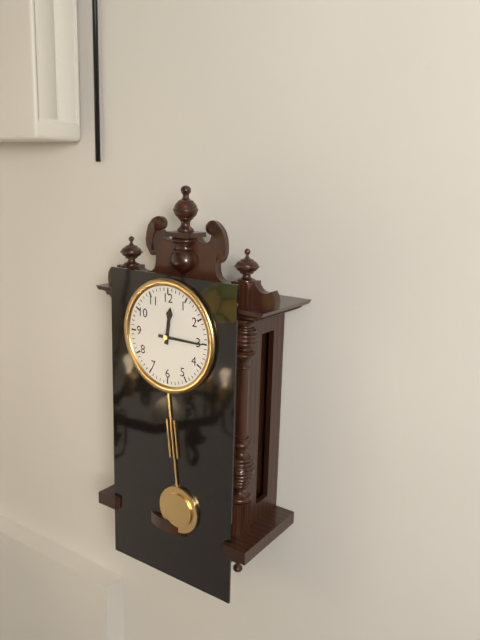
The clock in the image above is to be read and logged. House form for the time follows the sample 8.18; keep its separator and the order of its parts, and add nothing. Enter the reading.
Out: 12.15
